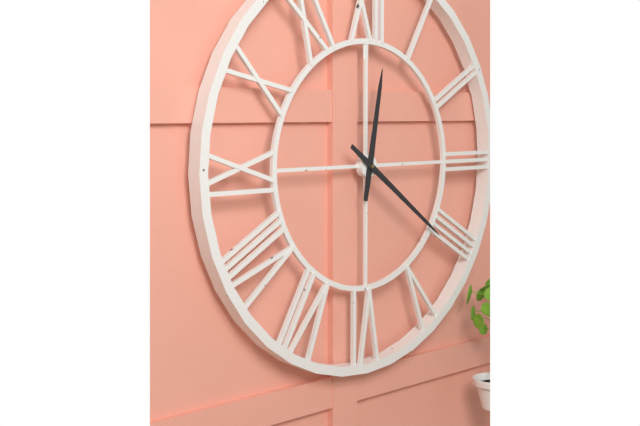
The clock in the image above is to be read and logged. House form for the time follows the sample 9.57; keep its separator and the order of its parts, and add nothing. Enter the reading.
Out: 12.21
